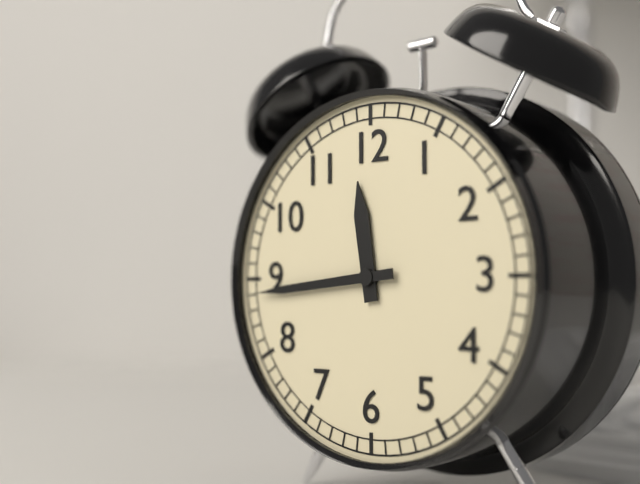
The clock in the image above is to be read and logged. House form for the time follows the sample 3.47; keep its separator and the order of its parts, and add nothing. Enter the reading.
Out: 11.44
